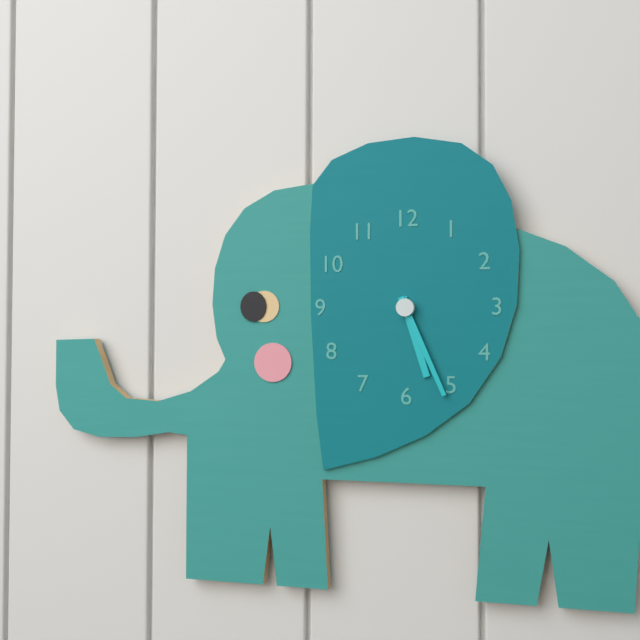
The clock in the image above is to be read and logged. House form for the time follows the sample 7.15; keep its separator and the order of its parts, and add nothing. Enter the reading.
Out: 5.26
